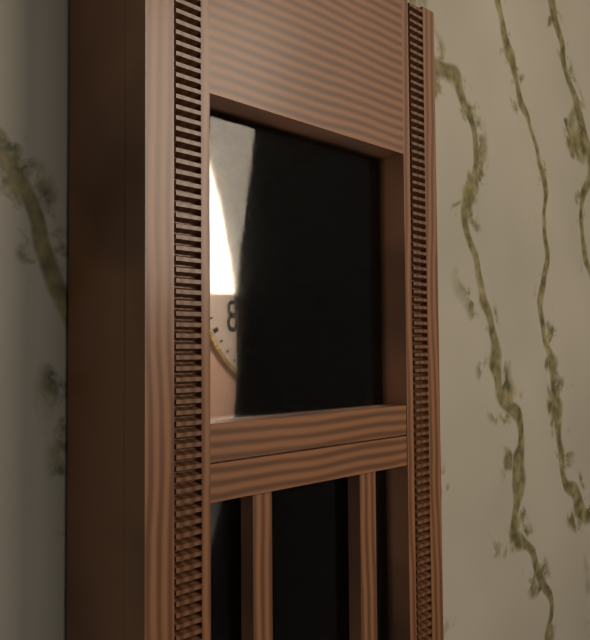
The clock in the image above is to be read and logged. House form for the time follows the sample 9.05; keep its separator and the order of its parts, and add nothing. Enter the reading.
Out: 4.16
